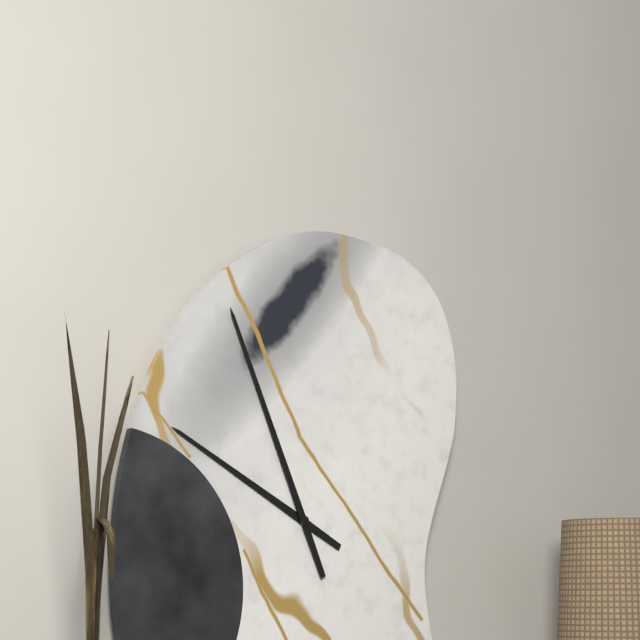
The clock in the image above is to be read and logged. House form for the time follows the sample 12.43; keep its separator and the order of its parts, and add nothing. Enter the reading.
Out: 9.56
